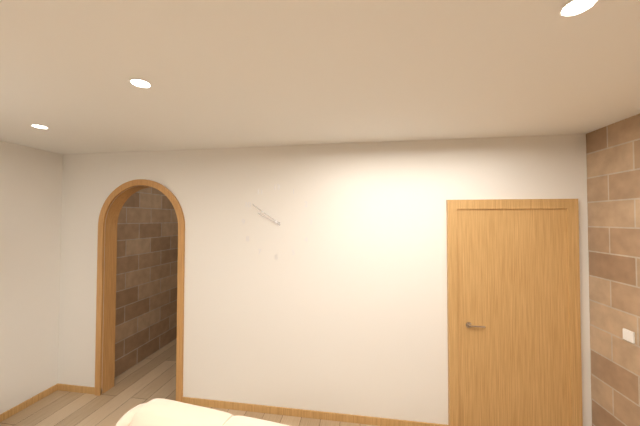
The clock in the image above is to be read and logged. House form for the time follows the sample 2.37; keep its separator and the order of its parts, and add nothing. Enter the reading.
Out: 9.51
